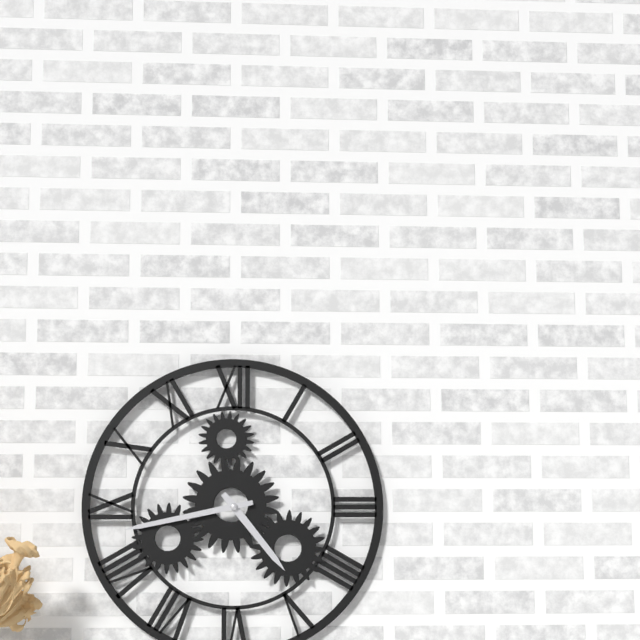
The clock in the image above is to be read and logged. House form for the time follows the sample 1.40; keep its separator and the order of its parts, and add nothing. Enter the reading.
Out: 4.43
